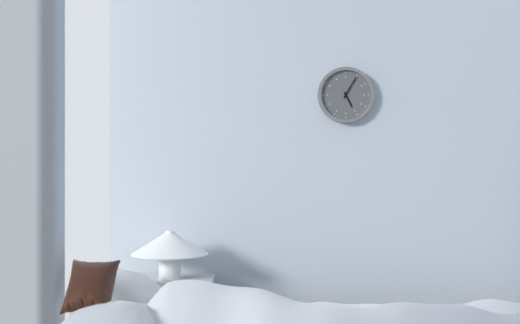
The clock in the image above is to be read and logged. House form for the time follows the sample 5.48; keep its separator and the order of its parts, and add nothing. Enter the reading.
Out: 5.05
